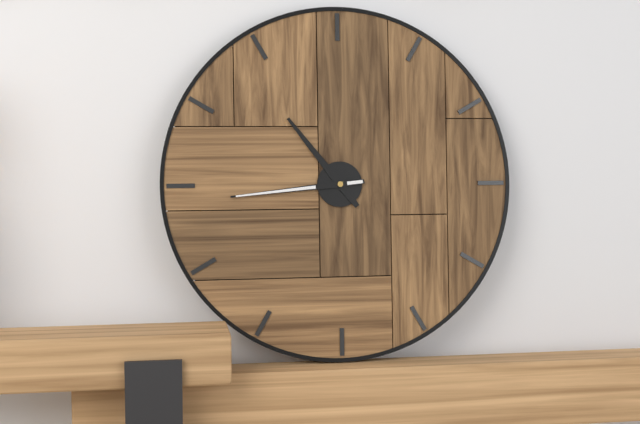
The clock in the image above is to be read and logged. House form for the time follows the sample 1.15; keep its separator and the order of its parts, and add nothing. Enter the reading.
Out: 10.44
